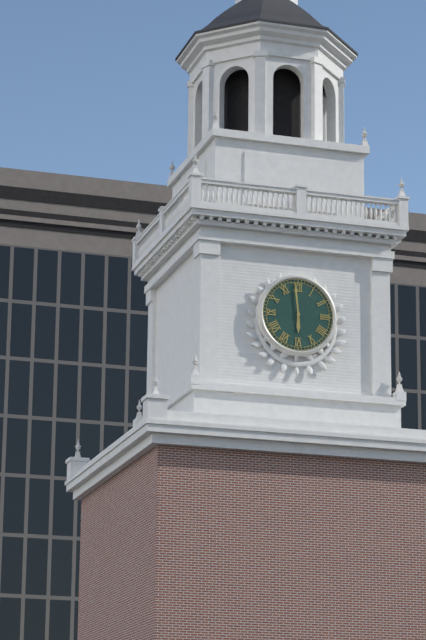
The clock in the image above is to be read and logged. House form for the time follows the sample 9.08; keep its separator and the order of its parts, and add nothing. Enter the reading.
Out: 5.59
